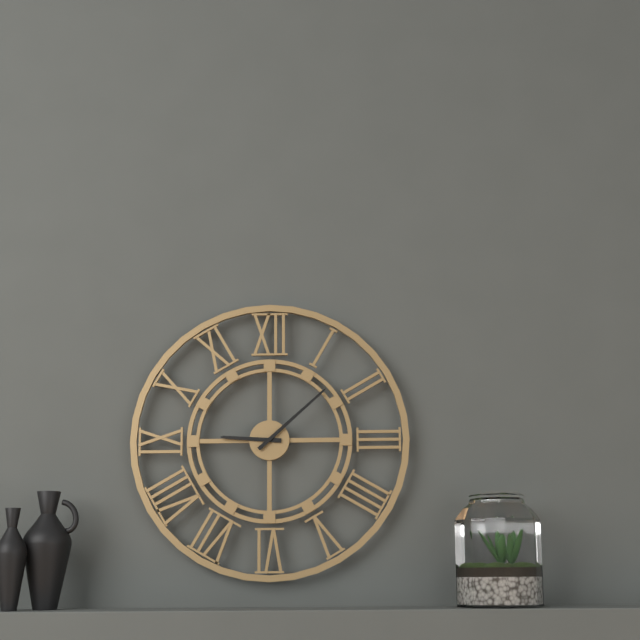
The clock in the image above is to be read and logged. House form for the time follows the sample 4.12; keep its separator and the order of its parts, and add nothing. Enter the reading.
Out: 9.08
